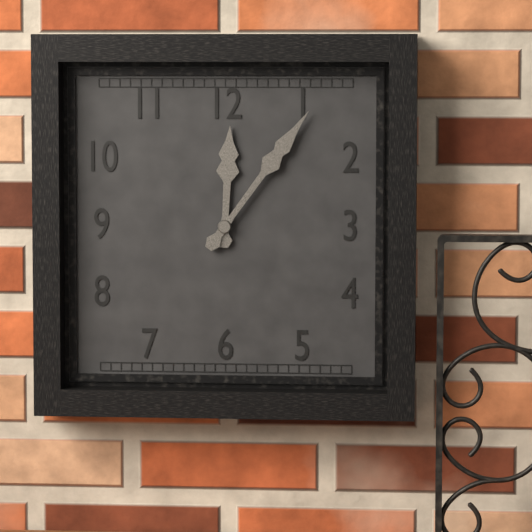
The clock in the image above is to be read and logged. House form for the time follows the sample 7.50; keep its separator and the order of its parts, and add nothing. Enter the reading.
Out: 12.06
